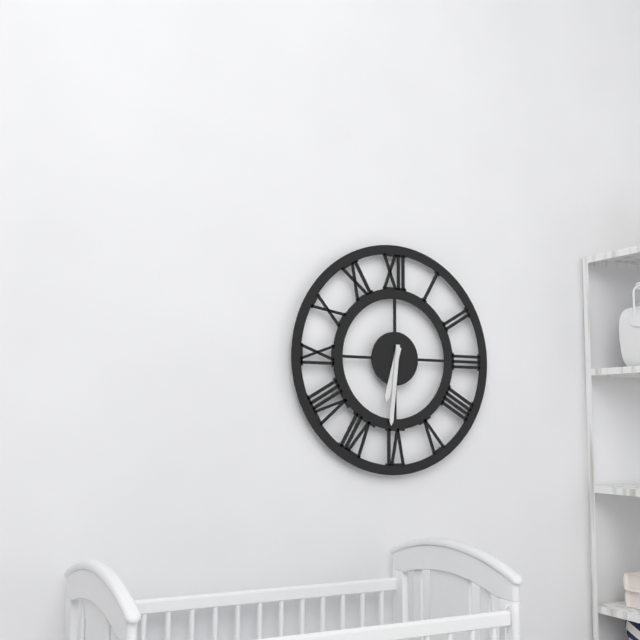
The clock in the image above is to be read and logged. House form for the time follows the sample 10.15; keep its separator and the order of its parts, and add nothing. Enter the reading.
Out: 6.31
